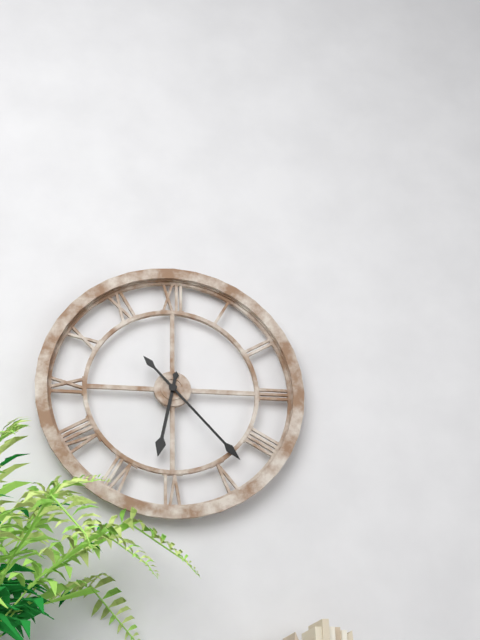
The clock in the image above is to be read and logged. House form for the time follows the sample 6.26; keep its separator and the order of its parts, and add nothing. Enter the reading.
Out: 6.23
